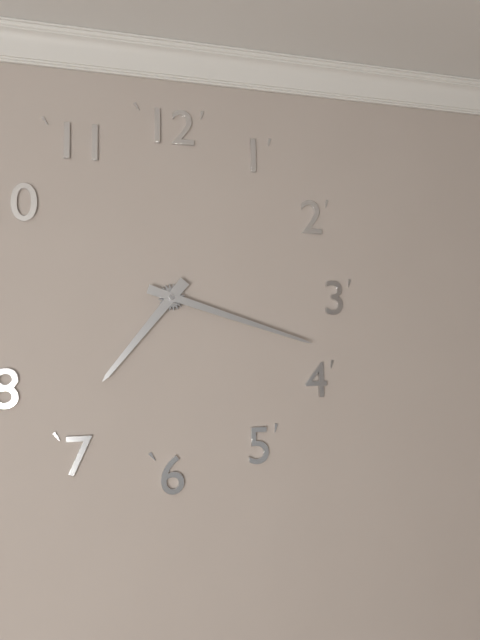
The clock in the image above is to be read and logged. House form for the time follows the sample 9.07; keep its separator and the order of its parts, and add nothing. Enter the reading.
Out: 7.18
